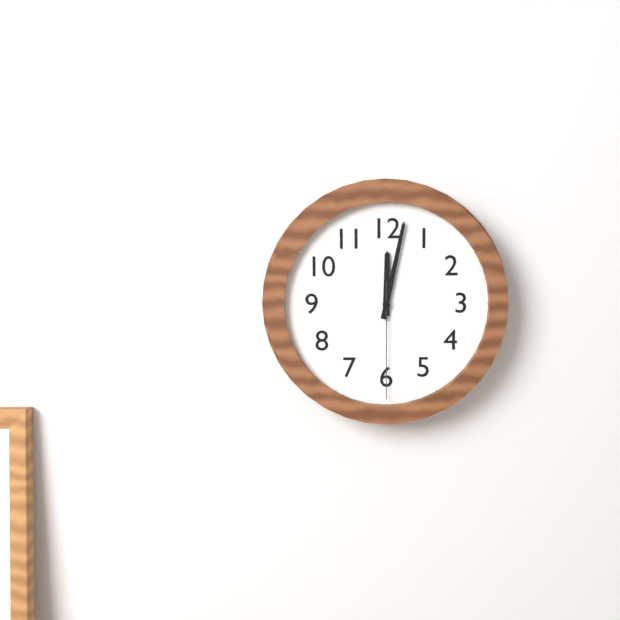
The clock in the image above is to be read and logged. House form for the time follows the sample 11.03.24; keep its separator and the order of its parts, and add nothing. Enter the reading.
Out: 12.02.30
